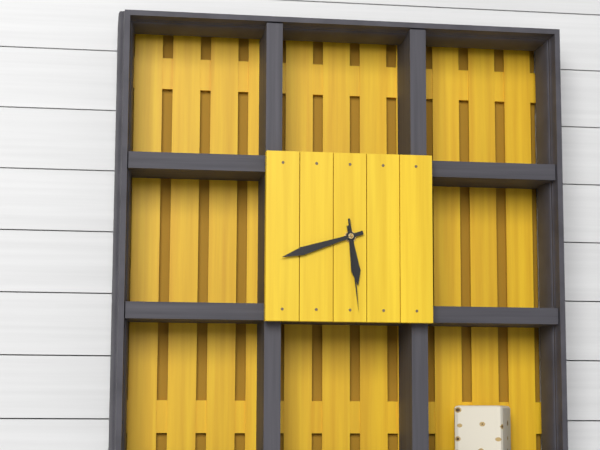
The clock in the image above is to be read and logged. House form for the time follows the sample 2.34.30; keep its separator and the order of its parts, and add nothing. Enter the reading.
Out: 5.42.29
